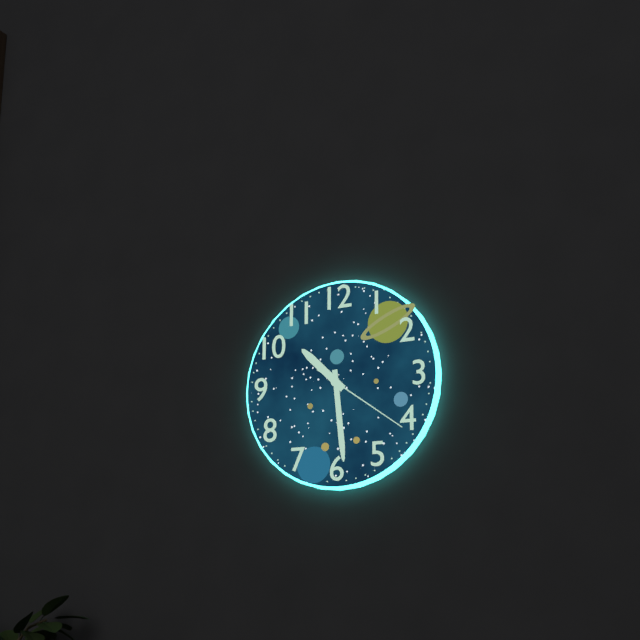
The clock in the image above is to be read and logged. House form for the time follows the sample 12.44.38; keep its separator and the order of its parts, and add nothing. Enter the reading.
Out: 10.29.21
